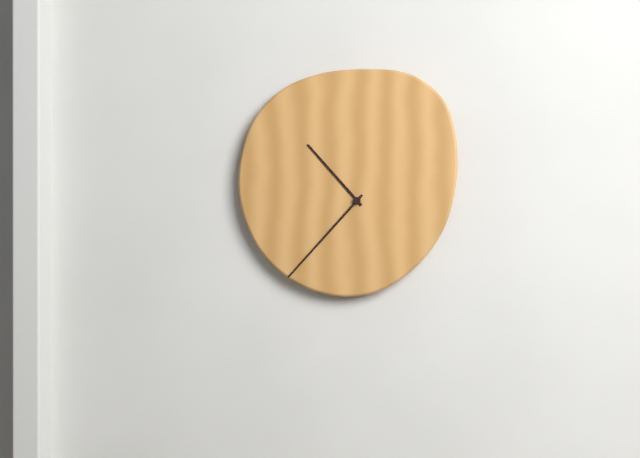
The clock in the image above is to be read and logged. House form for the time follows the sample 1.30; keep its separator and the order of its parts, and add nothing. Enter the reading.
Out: 10.37
